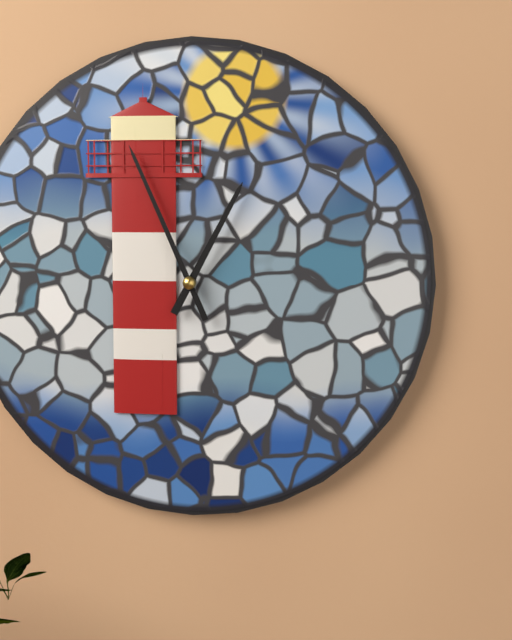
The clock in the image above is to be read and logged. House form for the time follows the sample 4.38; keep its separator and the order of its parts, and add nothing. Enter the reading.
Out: 12.56
